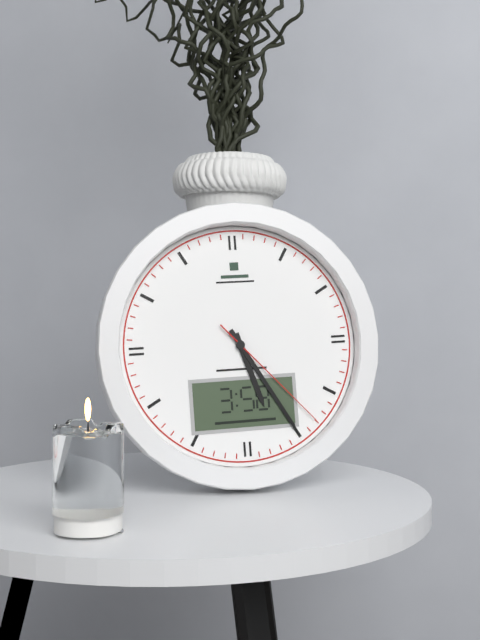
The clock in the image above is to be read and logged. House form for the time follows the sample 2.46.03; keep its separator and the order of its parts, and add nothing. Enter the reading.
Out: 5.25.23
